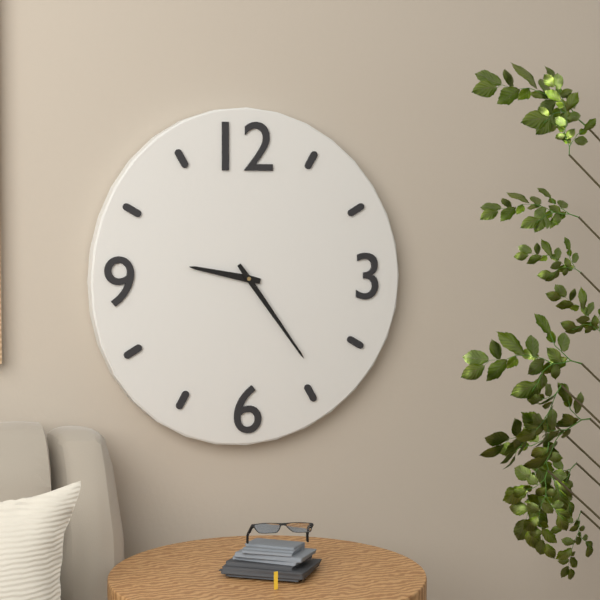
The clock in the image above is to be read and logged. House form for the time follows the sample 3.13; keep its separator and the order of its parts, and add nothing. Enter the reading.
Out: 9.24
